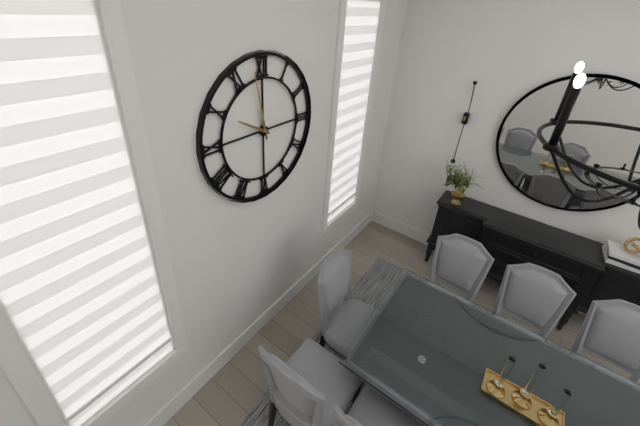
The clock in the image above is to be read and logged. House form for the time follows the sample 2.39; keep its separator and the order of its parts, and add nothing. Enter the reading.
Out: 9.58
